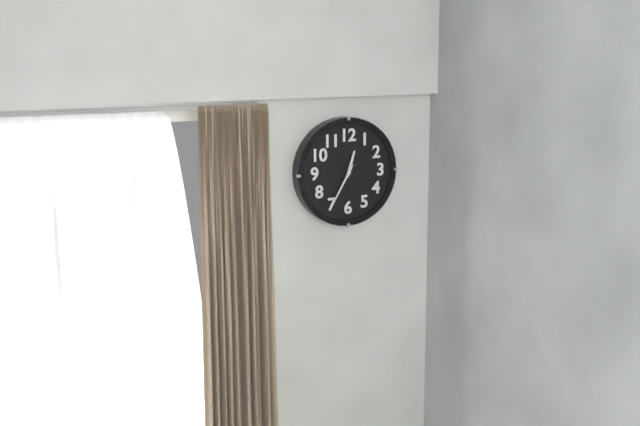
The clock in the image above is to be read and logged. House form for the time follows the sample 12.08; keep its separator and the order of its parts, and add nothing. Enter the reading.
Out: 12.35
